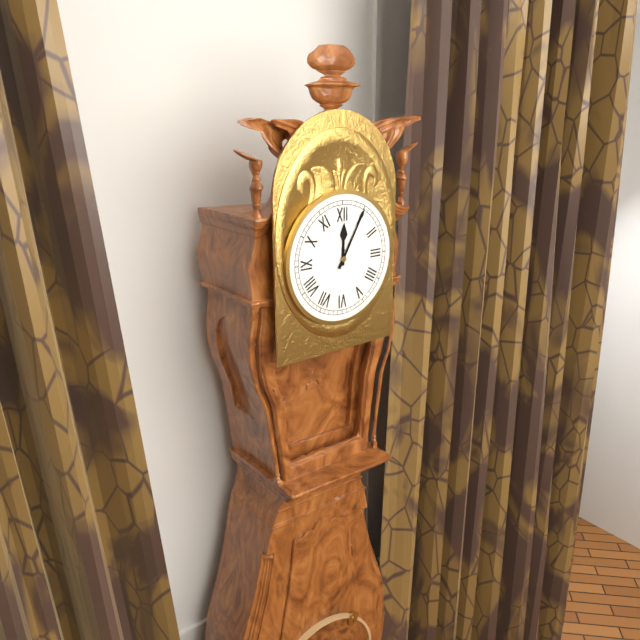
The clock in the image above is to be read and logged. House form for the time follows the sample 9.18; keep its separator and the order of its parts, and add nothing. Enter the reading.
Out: 12.05
